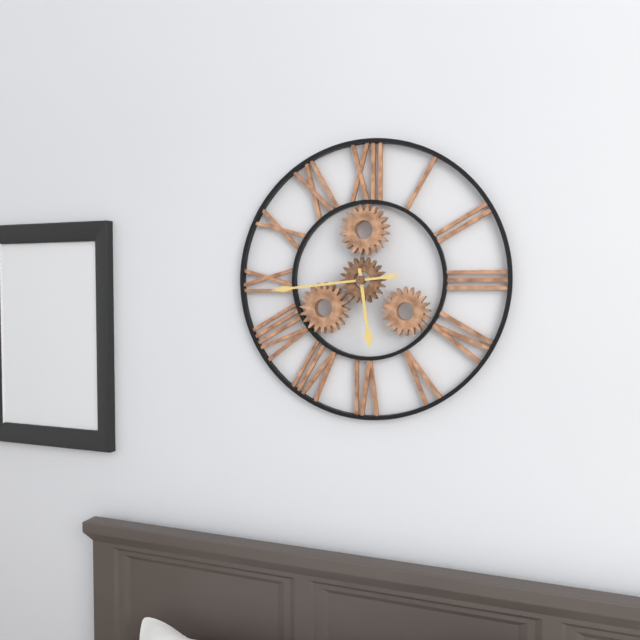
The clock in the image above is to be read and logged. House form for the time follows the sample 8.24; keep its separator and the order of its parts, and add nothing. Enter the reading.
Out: 5.44
